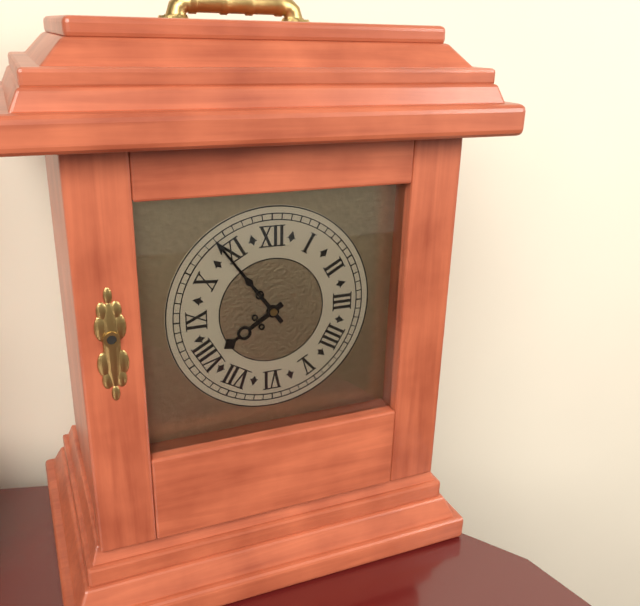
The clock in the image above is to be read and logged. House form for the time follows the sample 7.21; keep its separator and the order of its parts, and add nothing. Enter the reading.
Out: 7.54
